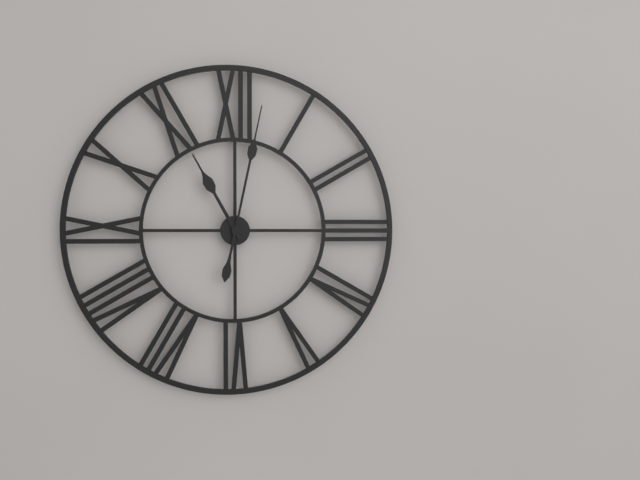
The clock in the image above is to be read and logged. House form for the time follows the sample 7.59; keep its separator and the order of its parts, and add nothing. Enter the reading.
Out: 11.02
